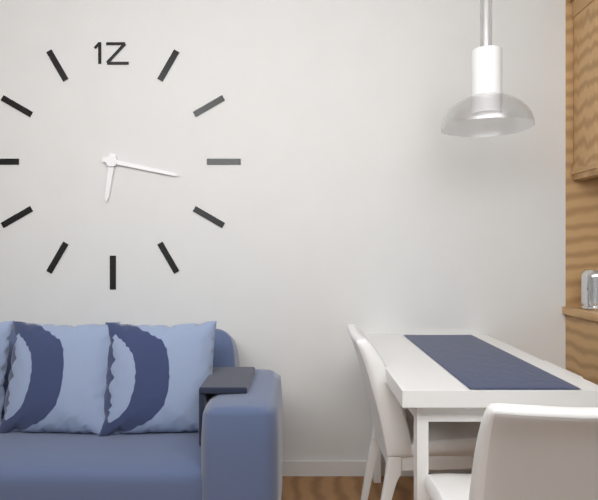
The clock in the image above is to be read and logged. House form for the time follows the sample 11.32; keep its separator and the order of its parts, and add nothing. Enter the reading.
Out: 6.17
